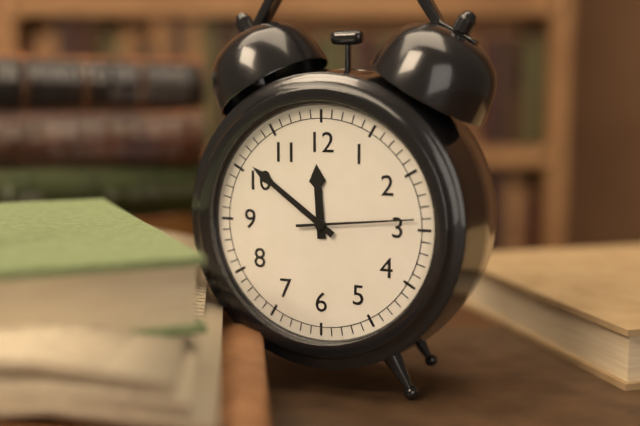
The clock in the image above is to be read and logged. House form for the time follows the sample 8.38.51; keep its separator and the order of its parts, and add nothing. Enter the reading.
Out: 11.51.14
